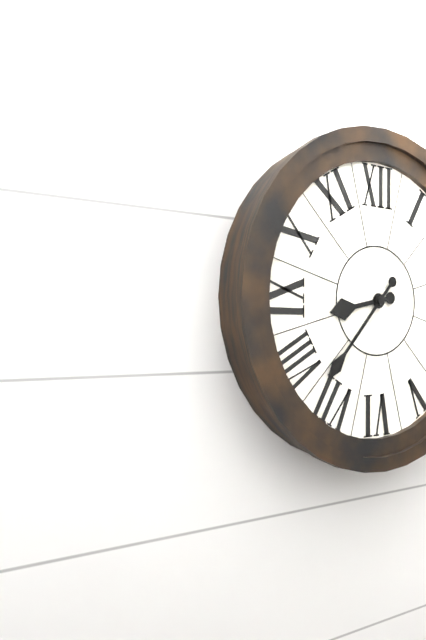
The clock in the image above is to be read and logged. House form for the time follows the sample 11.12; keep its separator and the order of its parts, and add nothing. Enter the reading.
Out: 8.37
